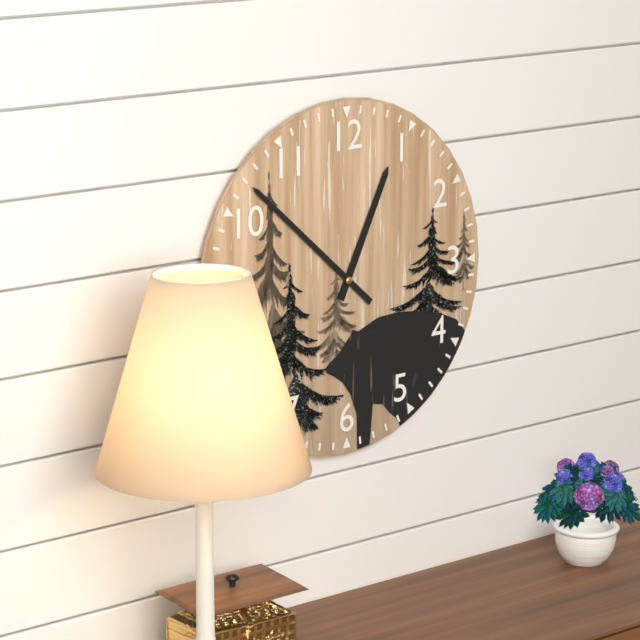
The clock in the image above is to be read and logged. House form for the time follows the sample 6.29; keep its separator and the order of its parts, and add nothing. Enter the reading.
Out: 12.52
